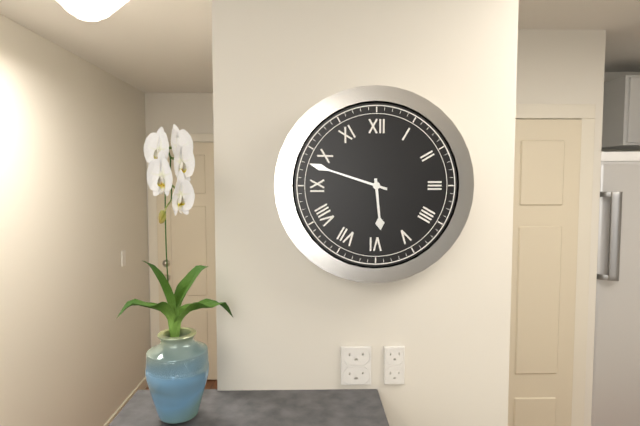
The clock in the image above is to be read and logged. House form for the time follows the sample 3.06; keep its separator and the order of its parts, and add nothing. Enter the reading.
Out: 5.48
